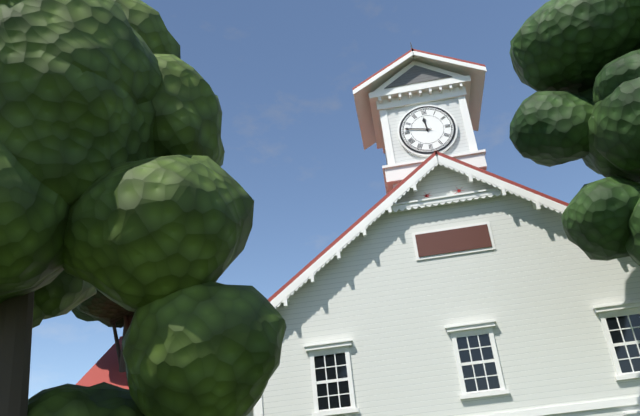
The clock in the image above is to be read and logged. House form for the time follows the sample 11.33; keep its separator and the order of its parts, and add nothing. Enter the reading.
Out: 11.47
